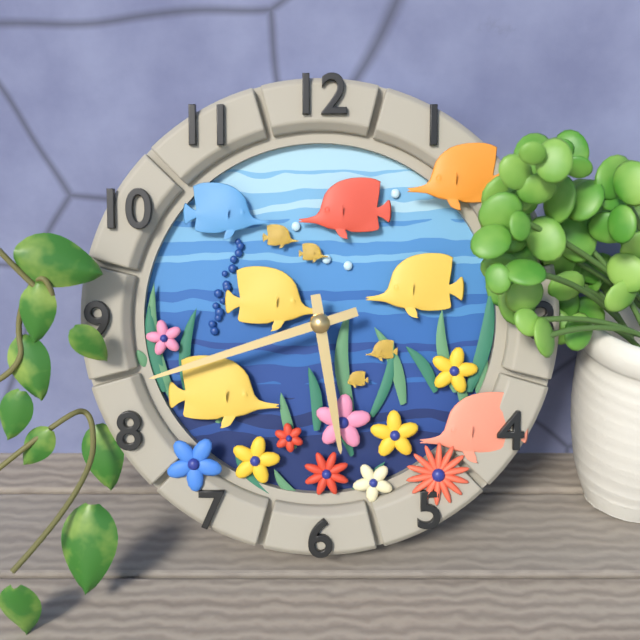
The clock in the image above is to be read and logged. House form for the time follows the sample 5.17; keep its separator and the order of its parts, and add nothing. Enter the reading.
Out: 5.42
